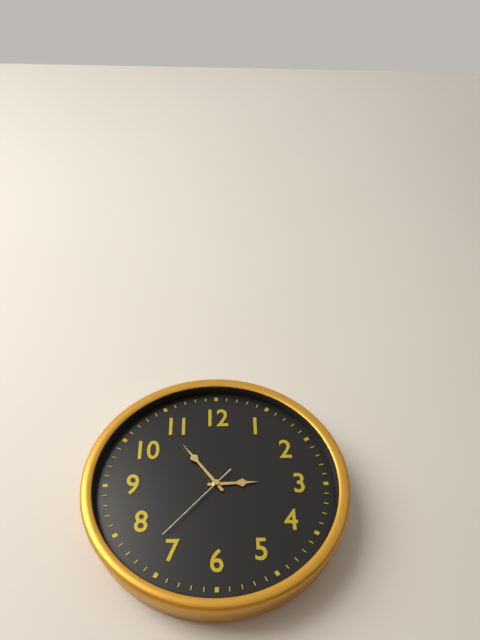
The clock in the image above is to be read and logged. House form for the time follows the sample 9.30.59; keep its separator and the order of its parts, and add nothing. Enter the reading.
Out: 2.54.37
